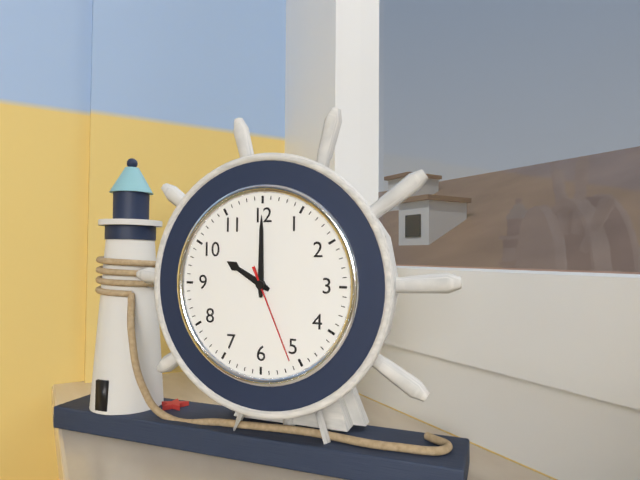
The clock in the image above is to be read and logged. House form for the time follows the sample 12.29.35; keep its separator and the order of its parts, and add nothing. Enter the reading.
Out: 10.00.26
